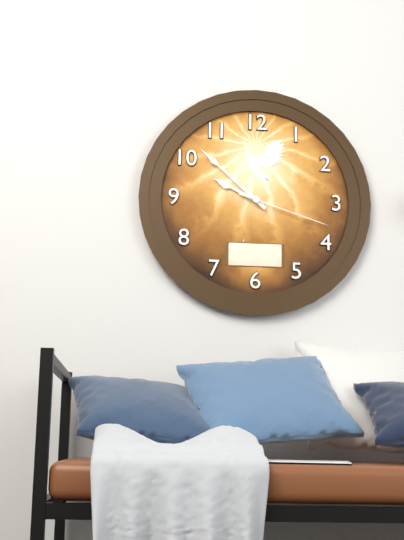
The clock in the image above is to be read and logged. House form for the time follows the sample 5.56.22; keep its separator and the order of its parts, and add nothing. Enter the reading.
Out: 9.52.18
